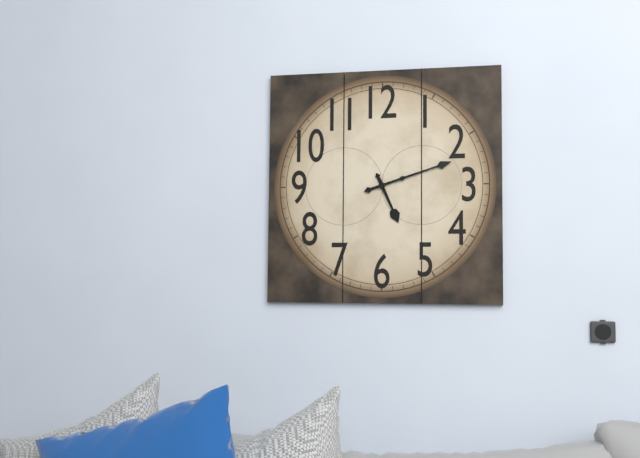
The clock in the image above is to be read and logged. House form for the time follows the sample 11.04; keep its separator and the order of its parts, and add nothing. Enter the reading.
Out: 5.12
